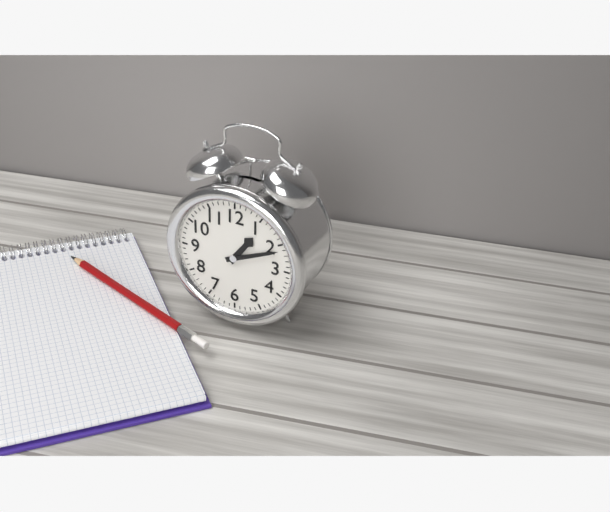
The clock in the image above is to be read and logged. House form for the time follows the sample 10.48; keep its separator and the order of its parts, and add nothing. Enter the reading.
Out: 1.11
